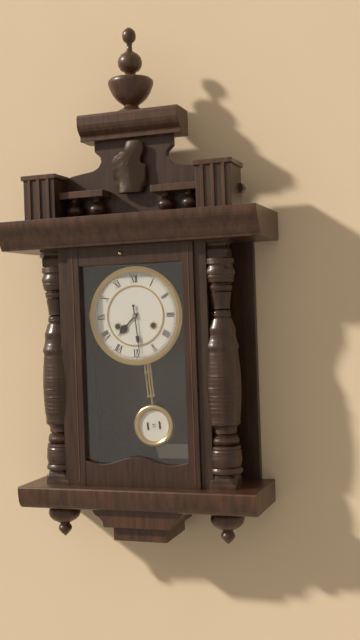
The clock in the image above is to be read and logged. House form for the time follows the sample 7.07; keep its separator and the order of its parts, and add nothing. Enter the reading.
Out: 7.29
